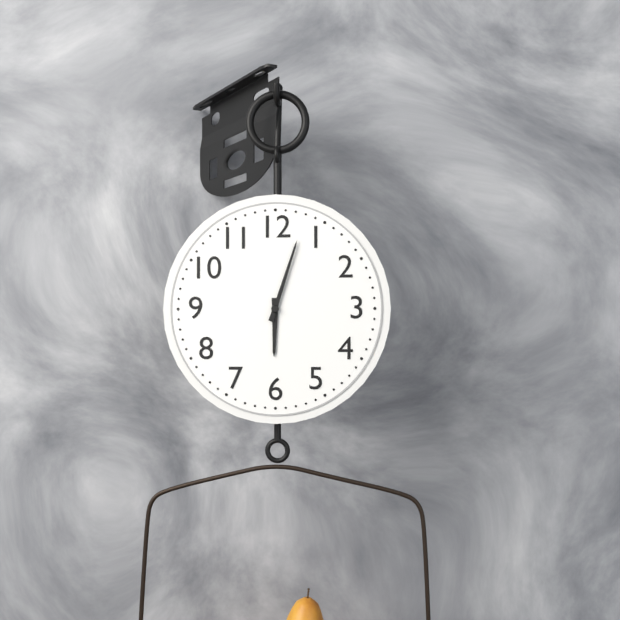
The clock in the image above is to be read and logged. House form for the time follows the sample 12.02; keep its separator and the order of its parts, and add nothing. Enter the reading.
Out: 6.03
